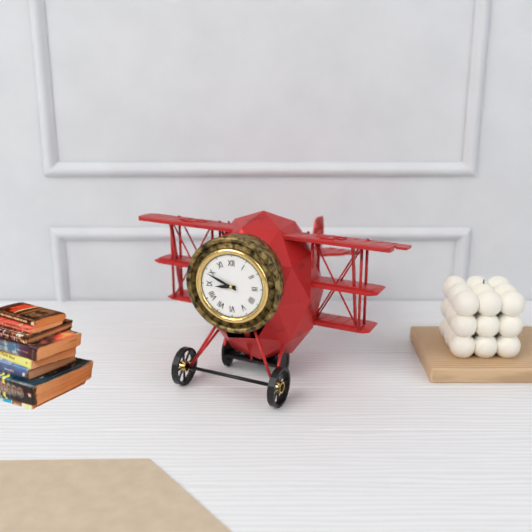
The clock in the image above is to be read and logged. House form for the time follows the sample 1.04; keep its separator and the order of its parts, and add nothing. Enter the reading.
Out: 8.49
